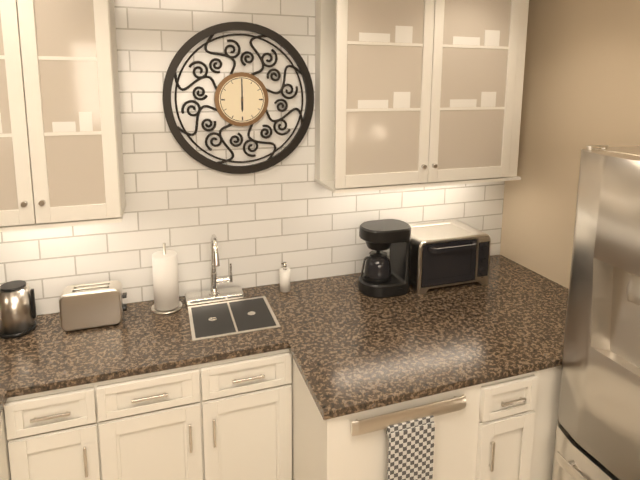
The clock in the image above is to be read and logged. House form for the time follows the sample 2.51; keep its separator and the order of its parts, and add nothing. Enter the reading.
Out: 6.00
